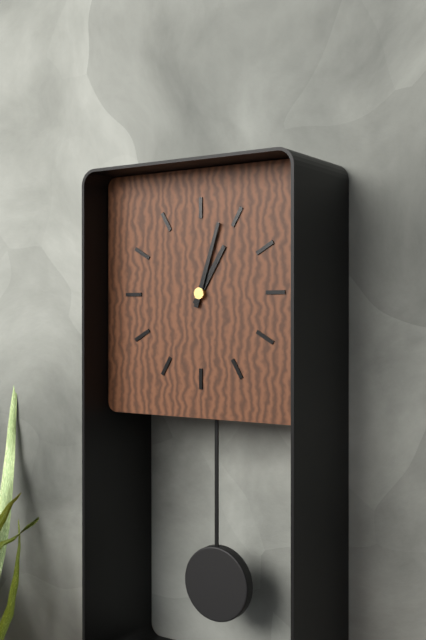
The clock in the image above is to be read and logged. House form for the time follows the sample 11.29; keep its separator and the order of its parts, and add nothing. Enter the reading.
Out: 1.03
